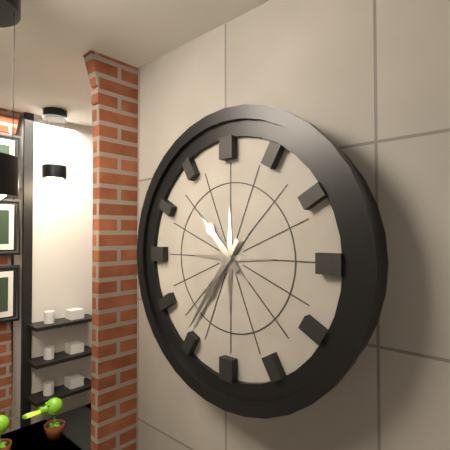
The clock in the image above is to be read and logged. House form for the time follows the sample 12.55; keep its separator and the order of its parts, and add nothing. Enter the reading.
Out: 10.36
